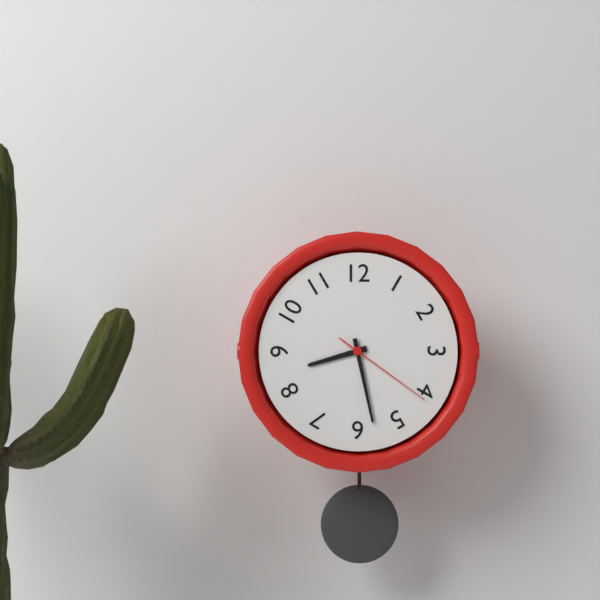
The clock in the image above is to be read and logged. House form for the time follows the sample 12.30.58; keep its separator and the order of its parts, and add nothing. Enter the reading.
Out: 8.28.21
